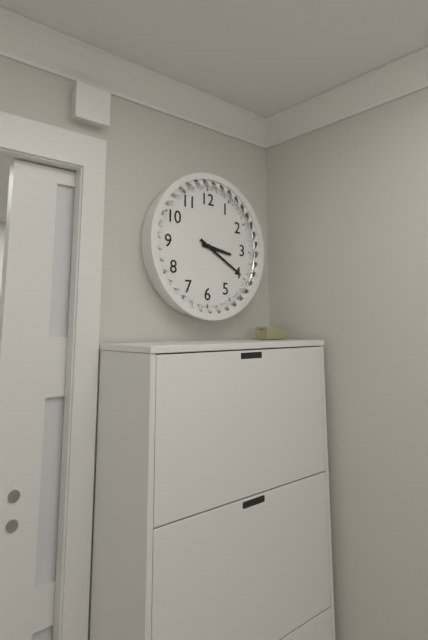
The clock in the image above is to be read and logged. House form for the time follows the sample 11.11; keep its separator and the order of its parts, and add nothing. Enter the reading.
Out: 3.20
